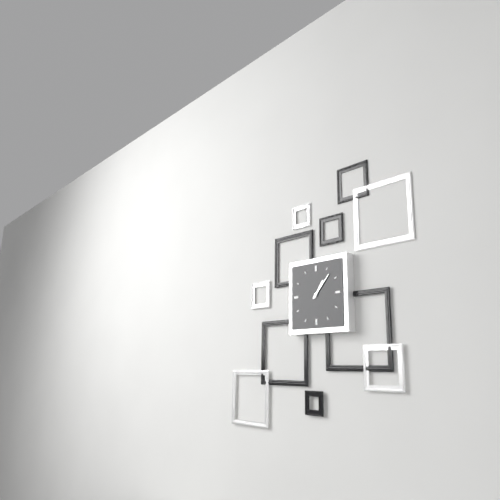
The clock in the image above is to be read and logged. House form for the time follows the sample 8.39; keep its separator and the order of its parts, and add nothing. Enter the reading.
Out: 1.07
